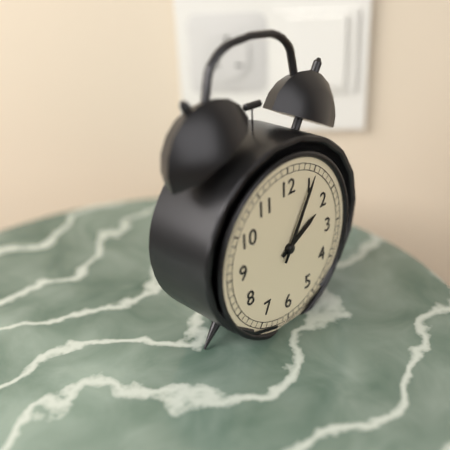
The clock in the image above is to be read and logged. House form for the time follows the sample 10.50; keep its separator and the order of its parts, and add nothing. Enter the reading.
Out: 2.05
